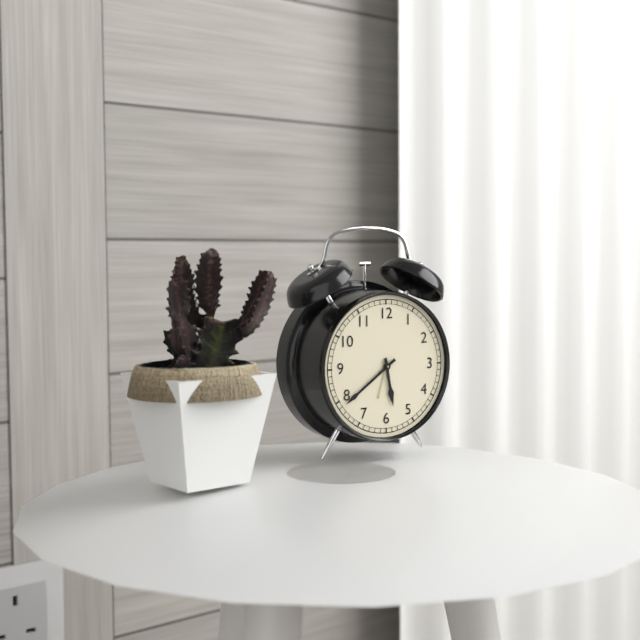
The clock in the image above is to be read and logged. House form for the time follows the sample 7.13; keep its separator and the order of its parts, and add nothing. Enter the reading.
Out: 5.39
